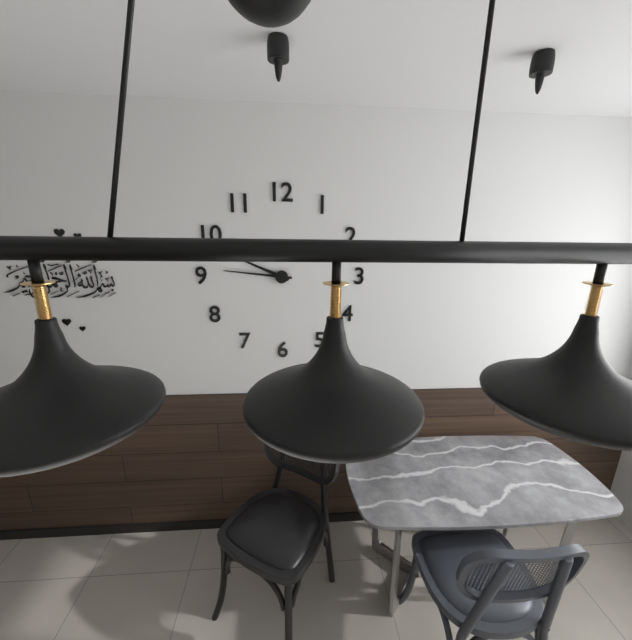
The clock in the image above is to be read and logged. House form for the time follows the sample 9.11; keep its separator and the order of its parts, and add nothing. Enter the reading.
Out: 9.46
